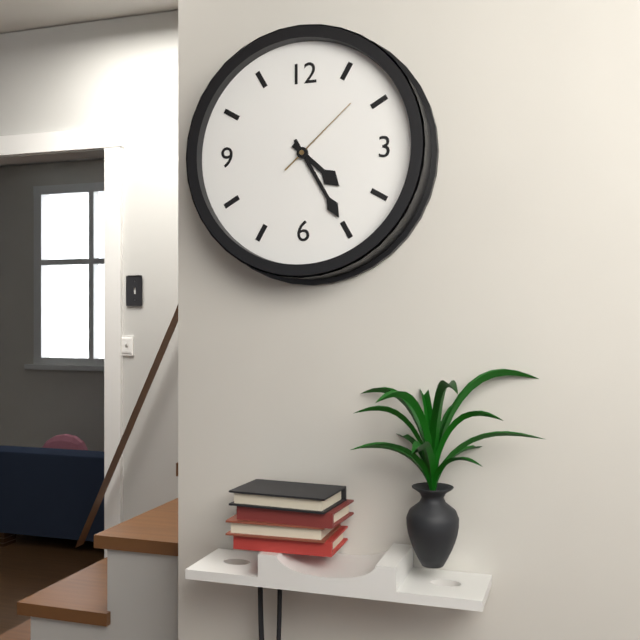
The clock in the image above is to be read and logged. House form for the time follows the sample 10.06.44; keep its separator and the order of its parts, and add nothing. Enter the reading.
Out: 4.25.08
